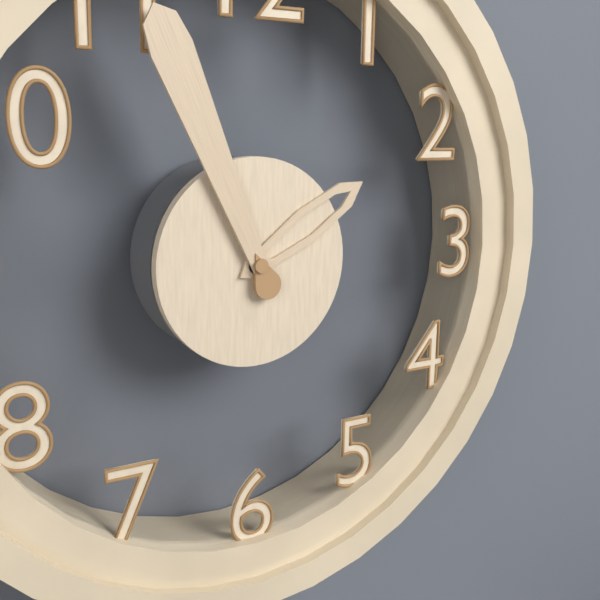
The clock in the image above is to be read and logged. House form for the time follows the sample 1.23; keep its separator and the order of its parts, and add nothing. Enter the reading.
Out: 1.56
